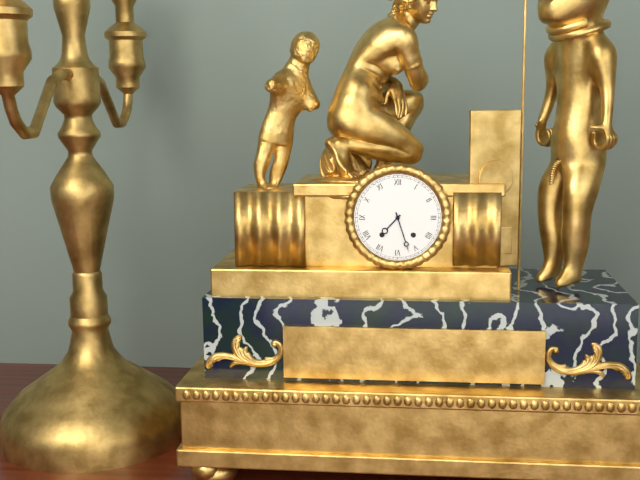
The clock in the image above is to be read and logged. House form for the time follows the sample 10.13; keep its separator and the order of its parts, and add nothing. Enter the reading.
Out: 7.27
